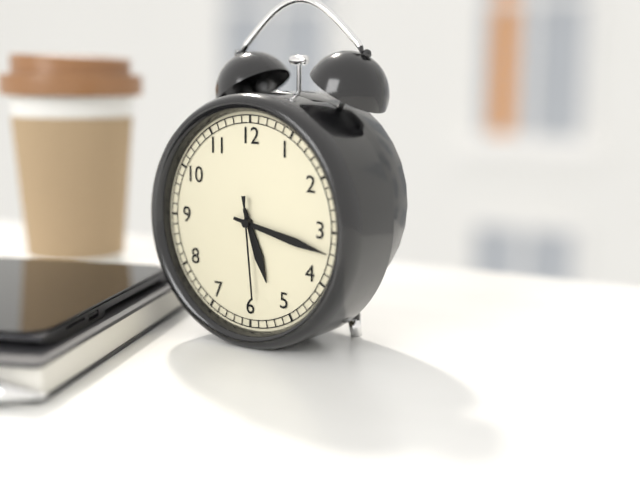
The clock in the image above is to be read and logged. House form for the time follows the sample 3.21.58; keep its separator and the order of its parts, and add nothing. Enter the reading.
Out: 5.17.29
